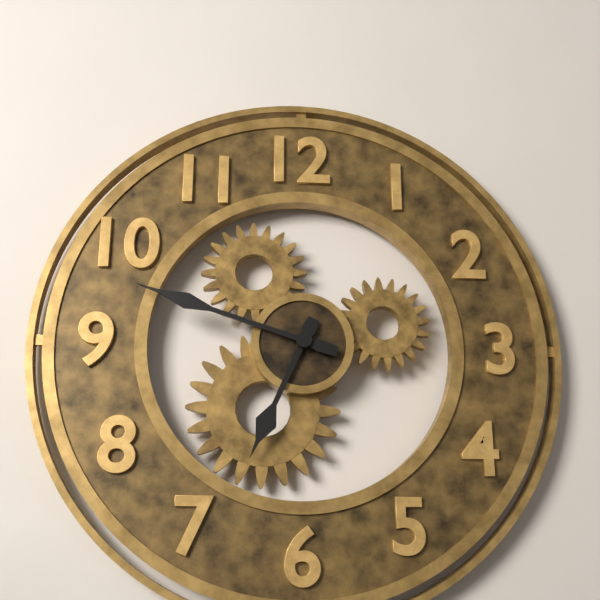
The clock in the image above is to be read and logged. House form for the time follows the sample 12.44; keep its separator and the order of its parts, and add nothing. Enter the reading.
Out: 6.48
